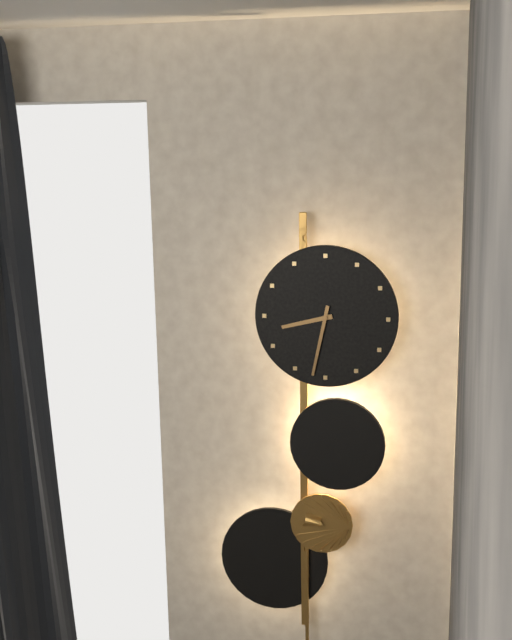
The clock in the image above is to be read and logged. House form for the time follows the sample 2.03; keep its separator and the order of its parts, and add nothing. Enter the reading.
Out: 8.32
